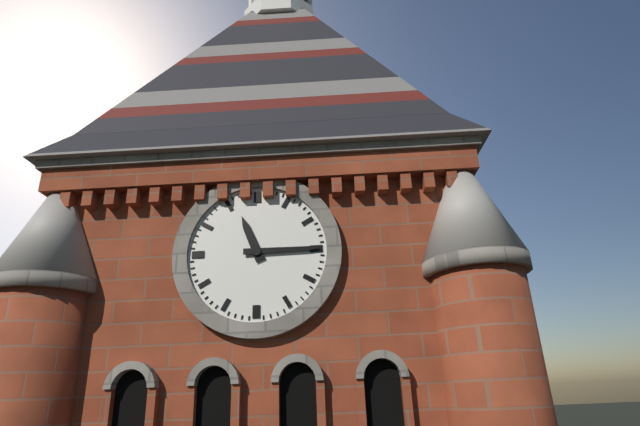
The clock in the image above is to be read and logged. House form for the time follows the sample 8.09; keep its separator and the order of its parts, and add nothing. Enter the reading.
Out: 11.15
